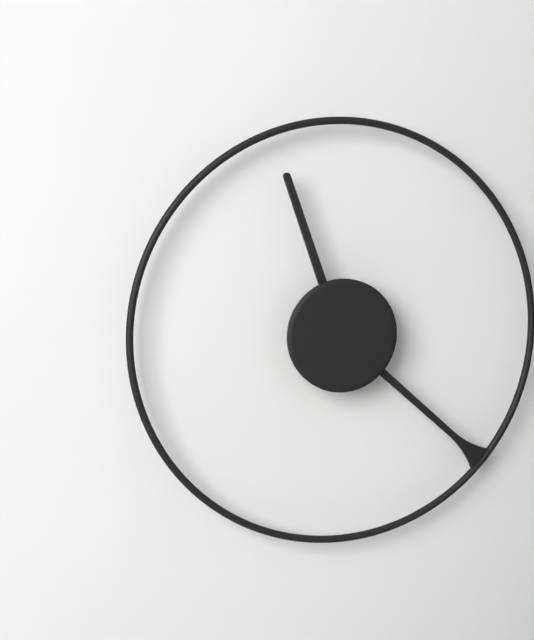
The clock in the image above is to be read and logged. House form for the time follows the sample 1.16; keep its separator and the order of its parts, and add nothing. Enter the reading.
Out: 11.22
